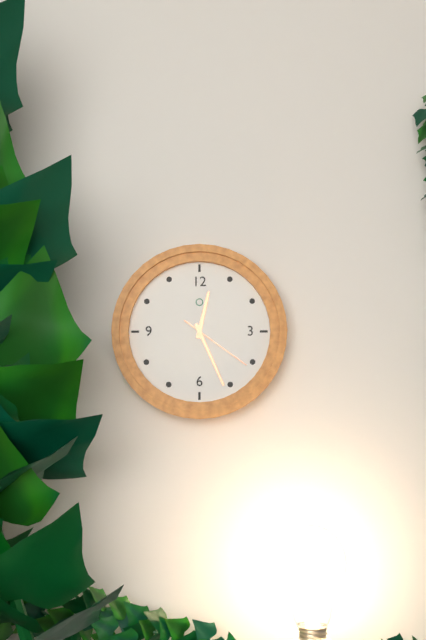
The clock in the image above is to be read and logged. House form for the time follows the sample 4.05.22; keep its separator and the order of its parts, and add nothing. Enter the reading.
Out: 12.26.21
